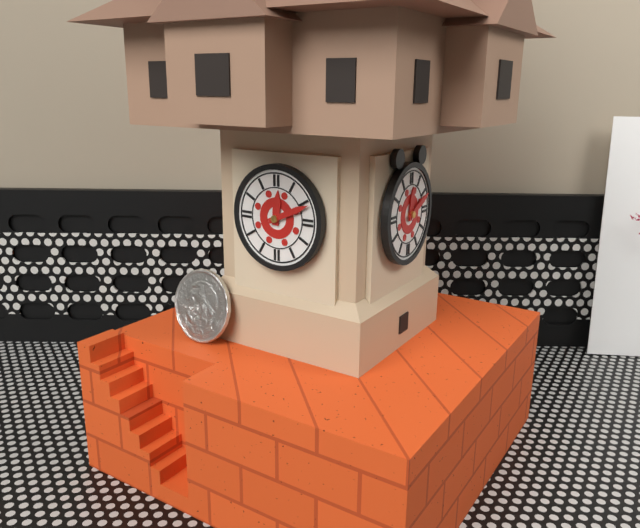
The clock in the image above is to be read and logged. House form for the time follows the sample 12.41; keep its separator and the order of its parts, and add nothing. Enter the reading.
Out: 12.11
